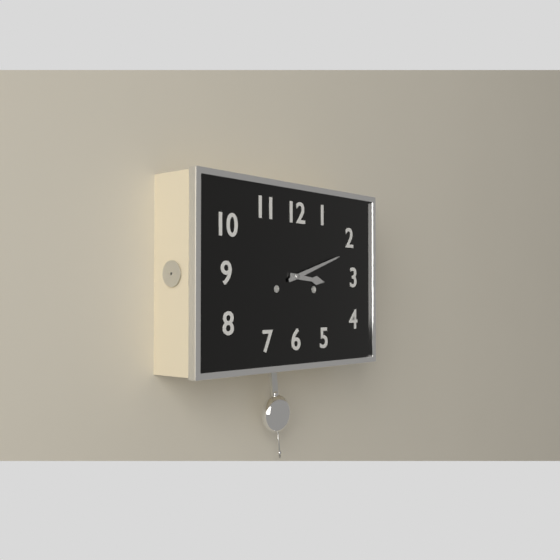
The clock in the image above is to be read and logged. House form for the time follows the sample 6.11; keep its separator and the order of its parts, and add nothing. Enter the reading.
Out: 3.12
